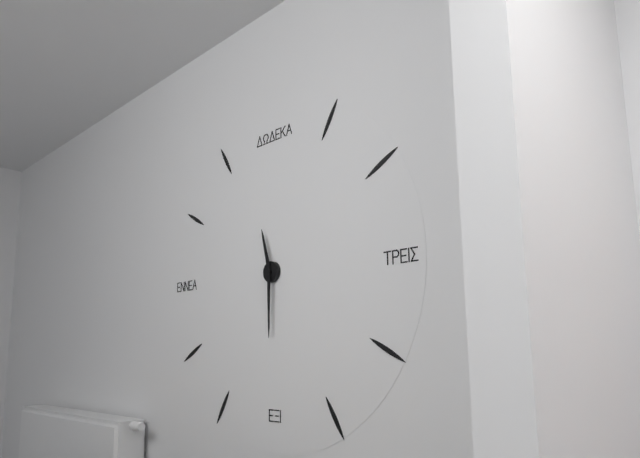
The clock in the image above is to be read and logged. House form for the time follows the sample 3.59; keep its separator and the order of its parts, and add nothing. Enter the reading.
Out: 11.30
